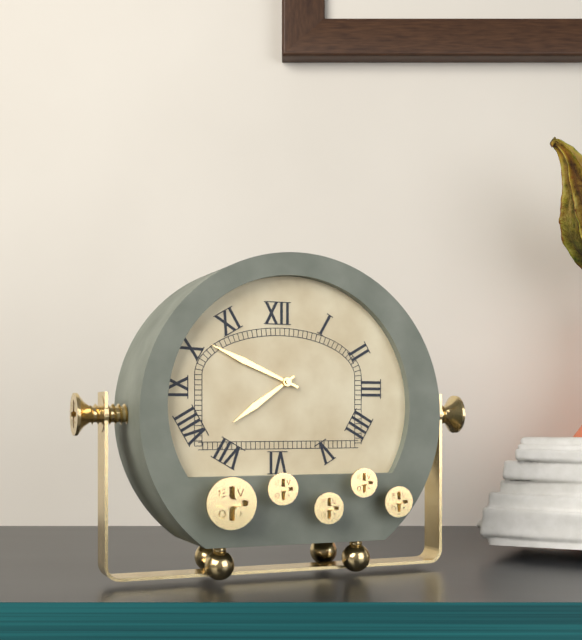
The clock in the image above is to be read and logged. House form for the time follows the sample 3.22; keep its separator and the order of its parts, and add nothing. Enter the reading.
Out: 7.49
